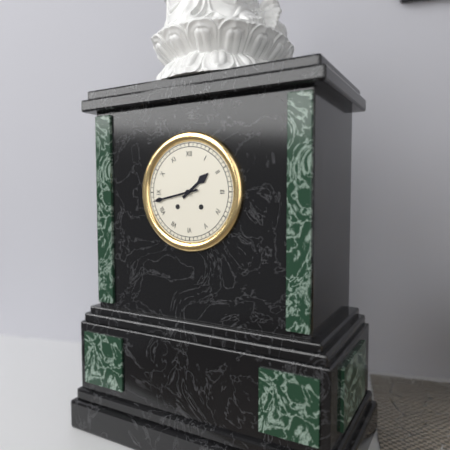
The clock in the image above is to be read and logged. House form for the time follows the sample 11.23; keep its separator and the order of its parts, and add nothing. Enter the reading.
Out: 1.43
